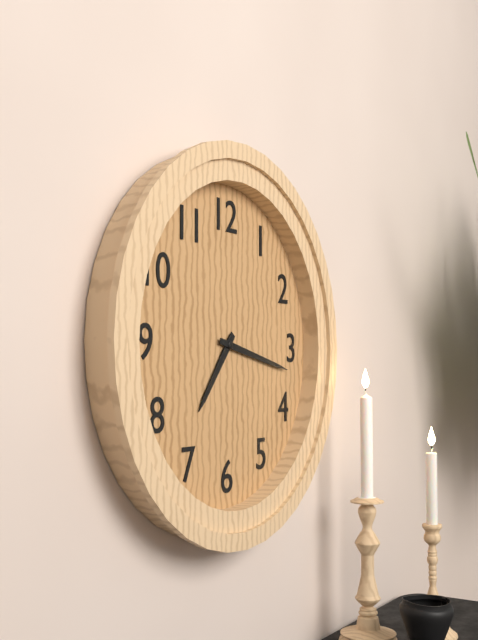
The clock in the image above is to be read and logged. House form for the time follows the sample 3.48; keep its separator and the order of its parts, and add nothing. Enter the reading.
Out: 7.17
